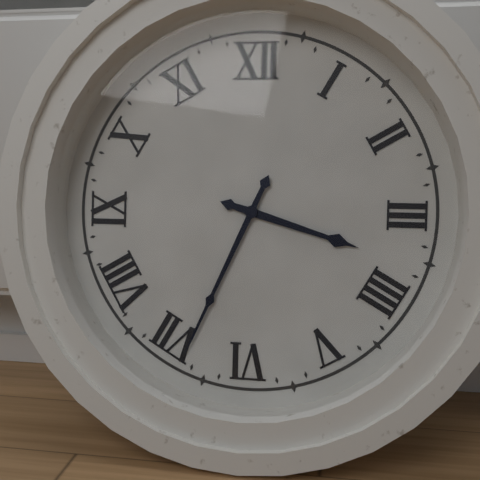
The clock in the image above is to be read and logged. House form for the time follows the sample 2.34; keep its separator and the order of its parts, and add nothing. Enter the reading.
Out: 3.34
